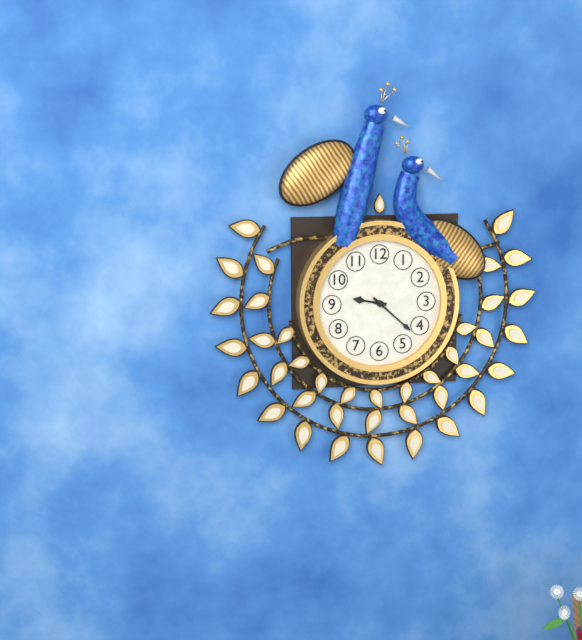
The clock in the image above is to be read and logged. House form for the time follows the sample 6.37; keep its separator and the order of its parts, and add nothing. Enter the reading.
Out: 9.22
